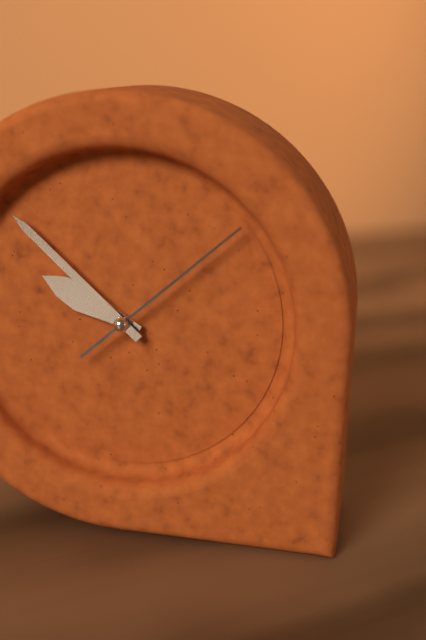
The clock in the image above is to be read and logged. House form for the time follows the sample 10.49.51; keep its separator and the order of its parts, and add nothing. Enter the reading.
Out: 9.52.08
